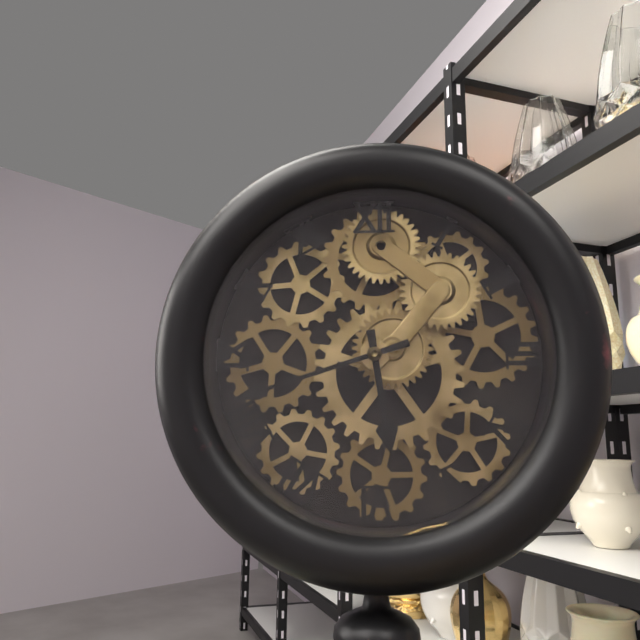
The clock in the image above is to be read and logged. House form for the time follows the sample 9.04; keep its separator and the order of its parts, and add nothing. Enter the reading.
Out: 5.42
